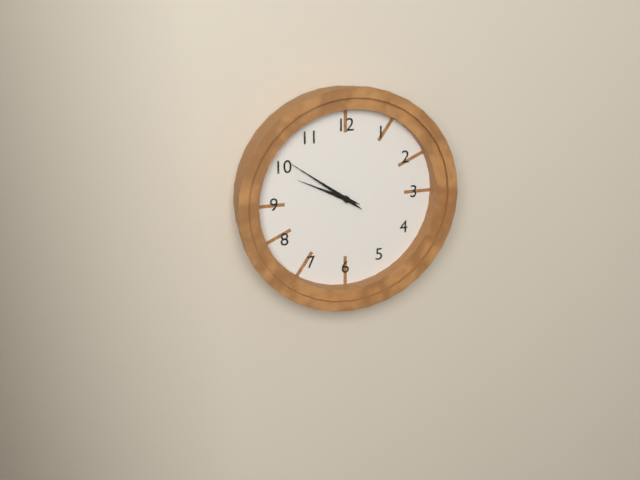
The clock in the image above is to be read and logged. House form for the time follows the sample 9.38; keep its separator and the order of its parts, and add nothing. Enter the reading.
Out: 9.51
